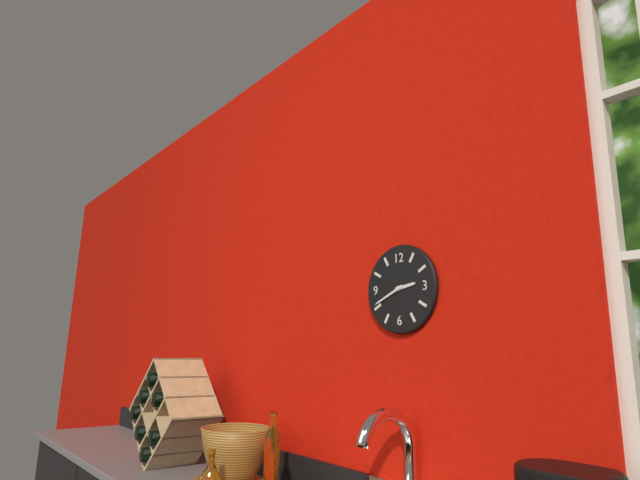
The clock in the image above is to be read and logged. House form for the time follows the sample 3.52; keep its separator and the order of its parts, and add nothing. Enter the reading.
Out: 2.41
